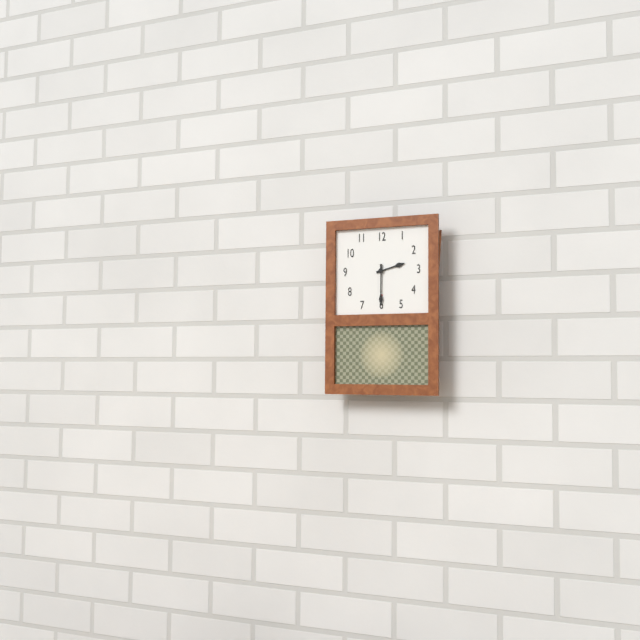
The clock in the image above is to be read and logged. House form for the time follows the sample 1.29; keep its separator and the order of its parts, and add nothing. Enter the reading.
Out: 2.30
